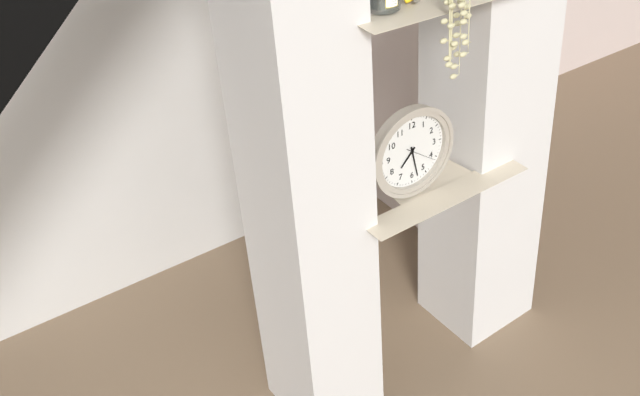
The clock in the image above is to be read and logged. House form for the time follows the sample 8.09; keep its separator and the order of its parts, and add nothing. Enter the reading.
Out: 7.28
